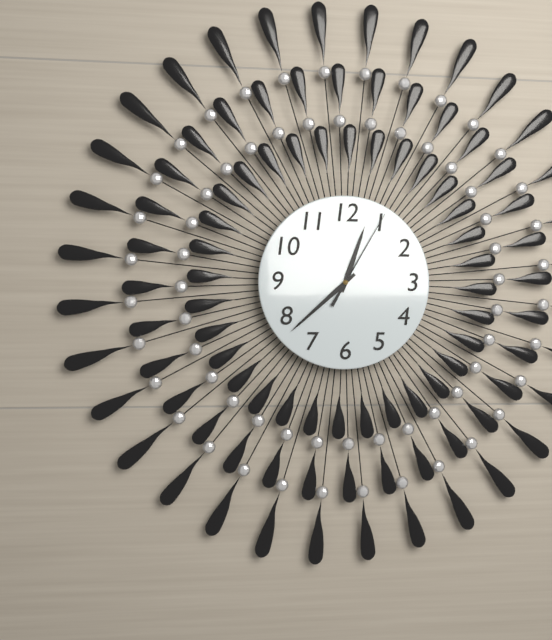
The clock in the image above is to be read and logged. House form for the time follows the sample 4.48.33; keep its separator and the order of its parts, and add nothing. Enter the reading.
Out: 12.38.05
